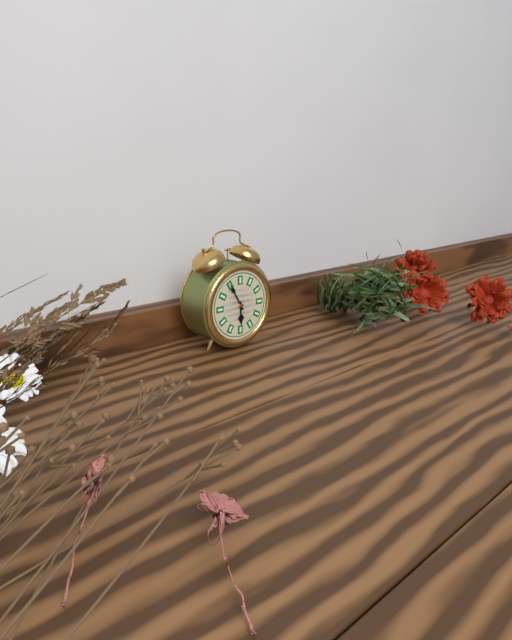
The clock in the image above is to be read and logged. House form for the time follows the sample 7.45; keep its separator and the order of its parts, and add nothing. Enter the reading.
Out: 5.55
